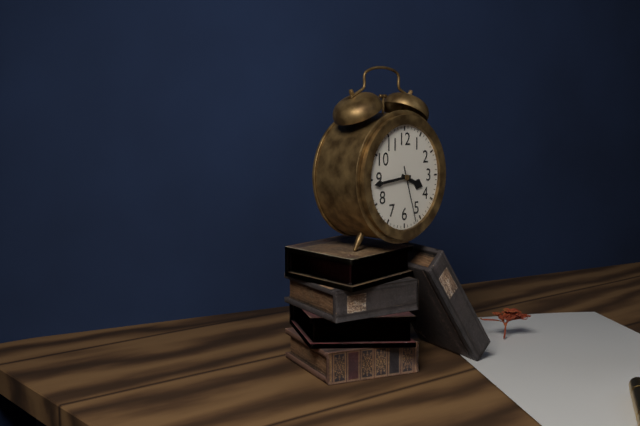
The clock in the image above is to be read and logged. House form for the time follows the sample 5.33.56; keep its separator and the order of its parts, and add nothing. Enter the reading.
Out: 3.44.27
